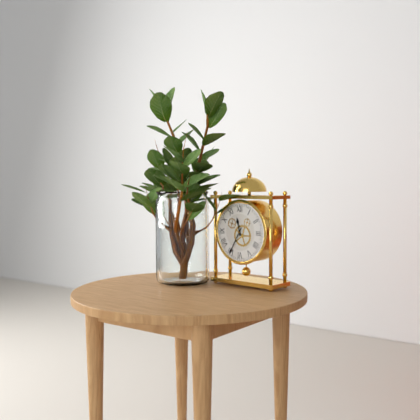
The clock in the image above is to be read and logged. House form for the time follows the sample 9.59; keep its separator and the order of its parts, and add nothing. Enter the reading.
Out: 11.35
